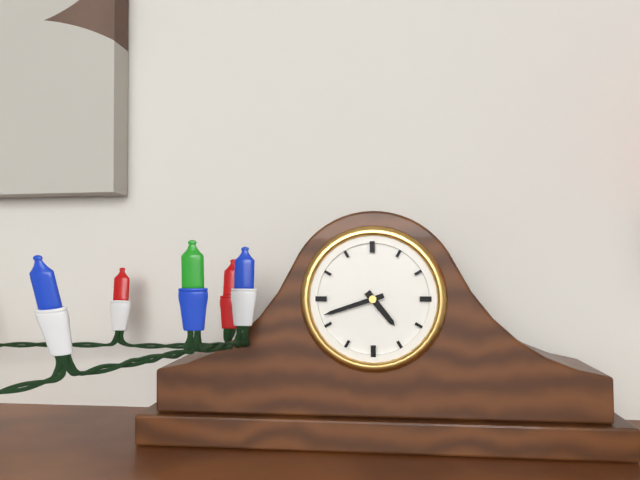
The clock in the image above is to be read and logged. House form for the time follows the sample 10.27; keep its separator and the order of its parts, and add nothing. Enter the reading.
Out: 4.42
